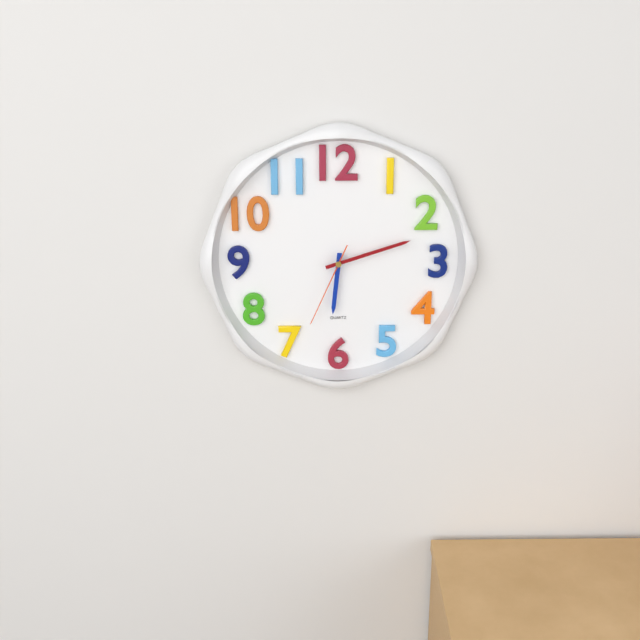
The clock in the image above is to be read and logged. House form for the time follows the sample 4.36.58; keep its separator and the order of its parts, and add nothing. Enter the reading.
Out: 6.12.34
